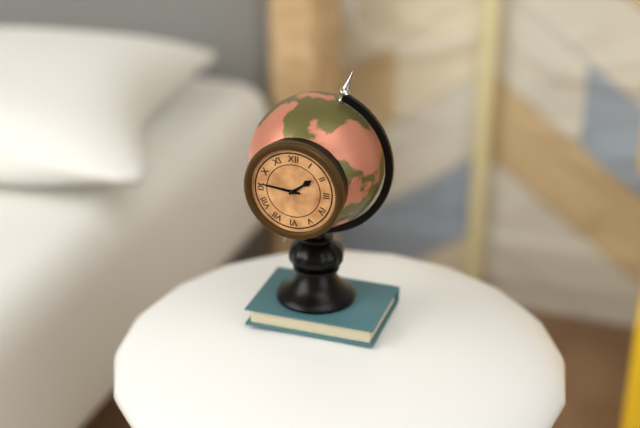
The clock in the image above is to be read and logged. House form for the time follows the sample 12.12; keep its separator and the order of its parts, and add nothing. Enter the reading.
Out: 1.46
